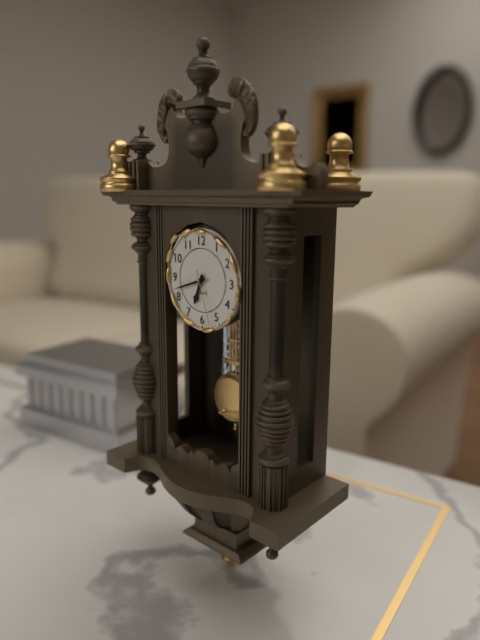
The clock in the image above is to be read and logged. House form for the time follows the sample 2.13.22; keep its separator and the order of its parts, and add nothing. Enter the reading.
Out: 6.42.27
